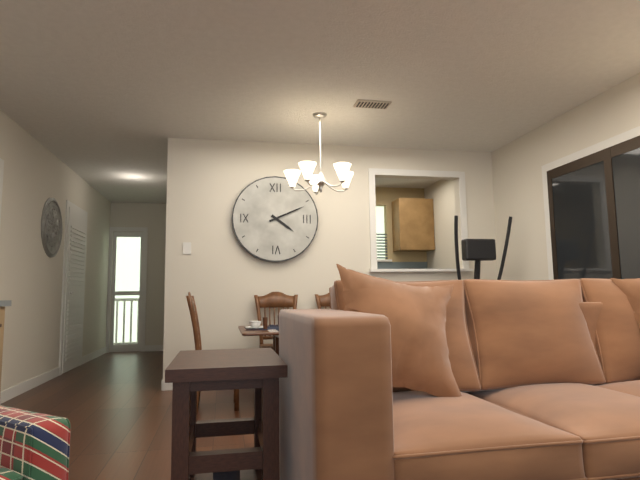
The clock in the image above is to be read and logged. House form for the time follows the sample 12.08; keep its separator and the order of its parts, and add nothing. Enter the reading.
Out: 4.11
